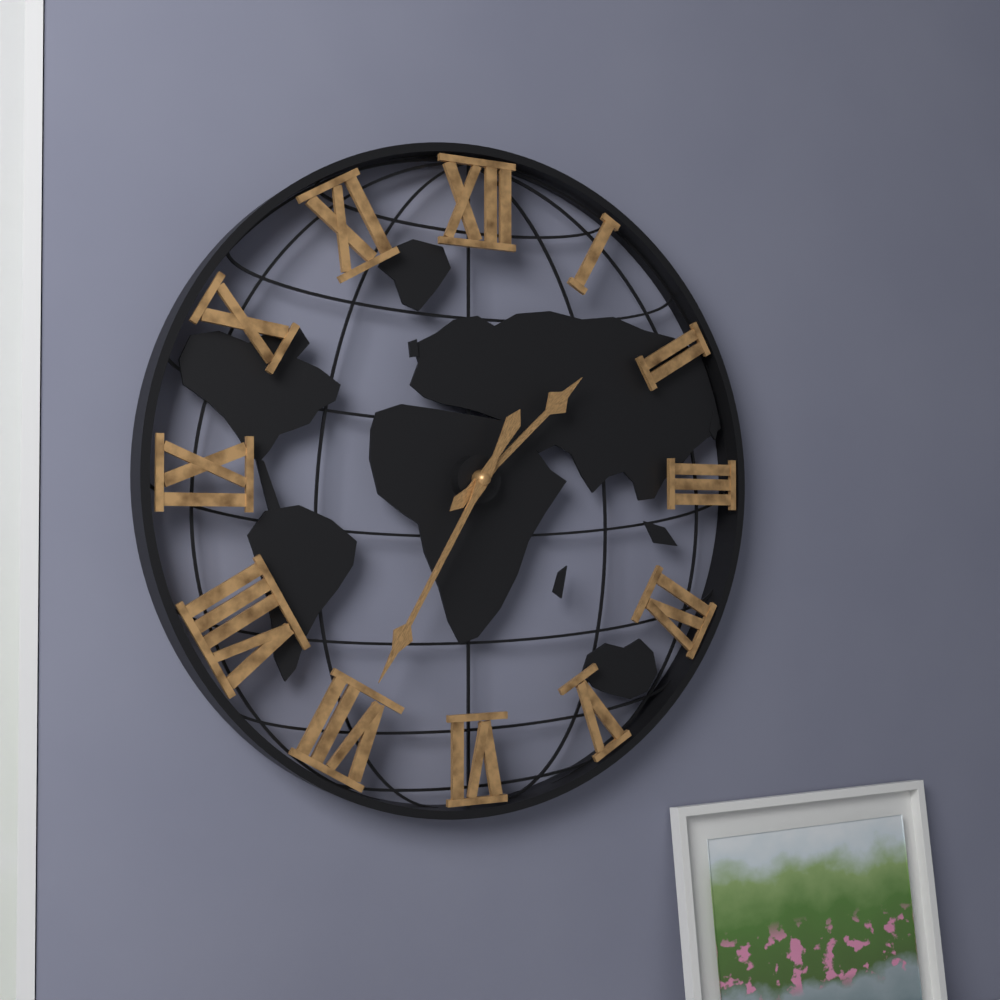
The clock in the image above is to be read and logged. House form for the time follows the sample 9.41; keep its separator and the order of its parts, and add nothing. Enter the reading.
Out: 1.35
